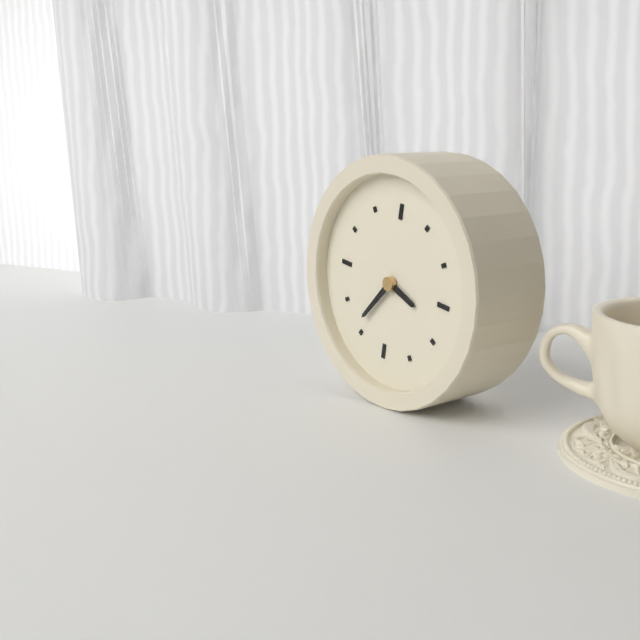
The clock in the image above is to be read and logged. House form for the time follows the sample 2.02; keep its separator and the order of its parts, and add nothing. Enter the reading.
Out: 3.36
